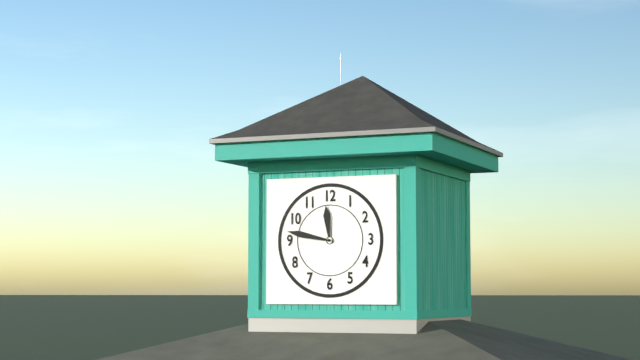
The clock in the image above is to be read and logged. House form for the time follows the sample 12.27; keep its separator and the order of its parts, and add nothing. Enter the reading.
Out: 11.47
